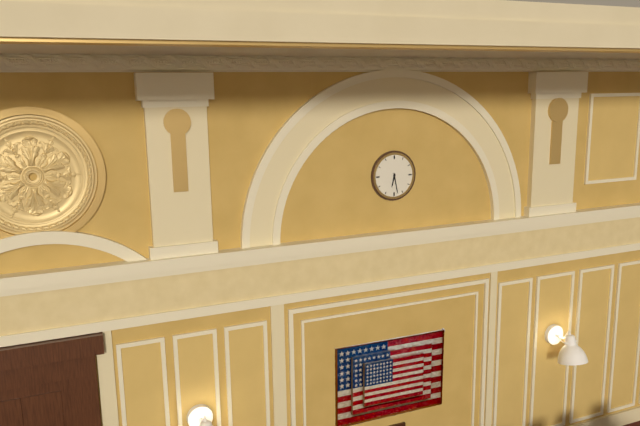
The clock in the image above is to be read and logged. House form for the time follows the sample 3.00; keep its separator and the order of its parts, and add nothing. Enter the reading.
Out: 6.28
